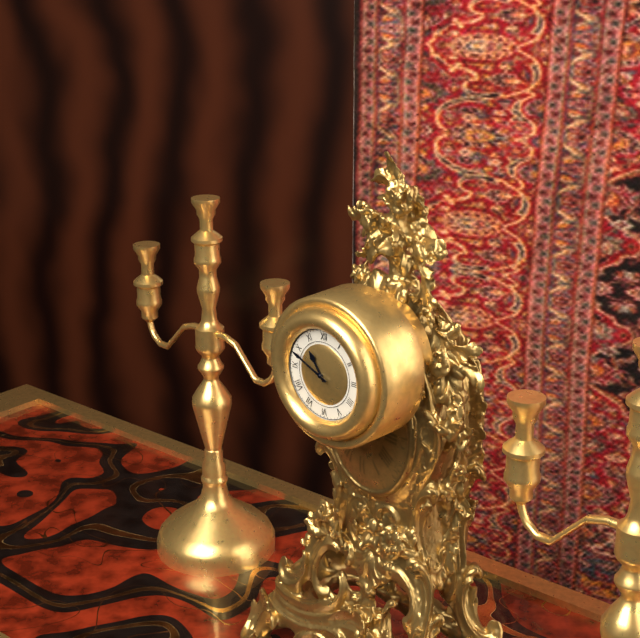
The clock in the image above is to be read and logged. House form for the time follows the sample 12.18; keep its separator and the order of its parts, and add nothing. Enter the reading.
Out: 10.49
